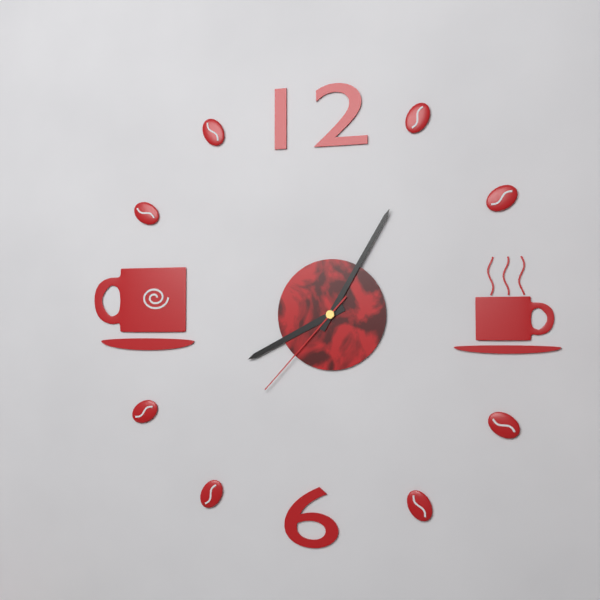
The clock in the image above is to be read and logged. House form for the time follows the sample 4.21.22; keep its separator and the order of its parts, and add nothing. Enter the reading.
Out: 8.05.37
